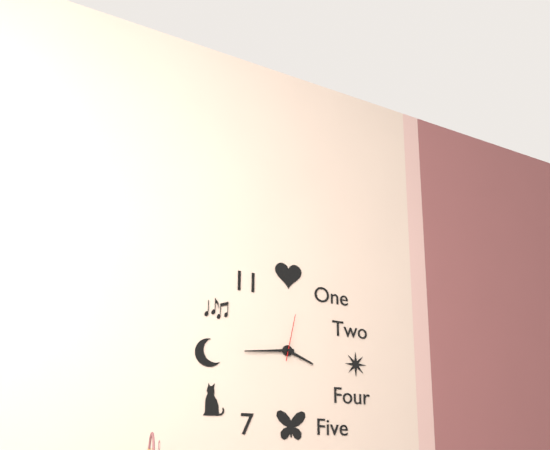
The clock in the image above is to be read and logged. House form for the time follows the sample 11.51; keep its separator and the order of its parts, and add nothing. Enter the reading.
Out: 3.44
